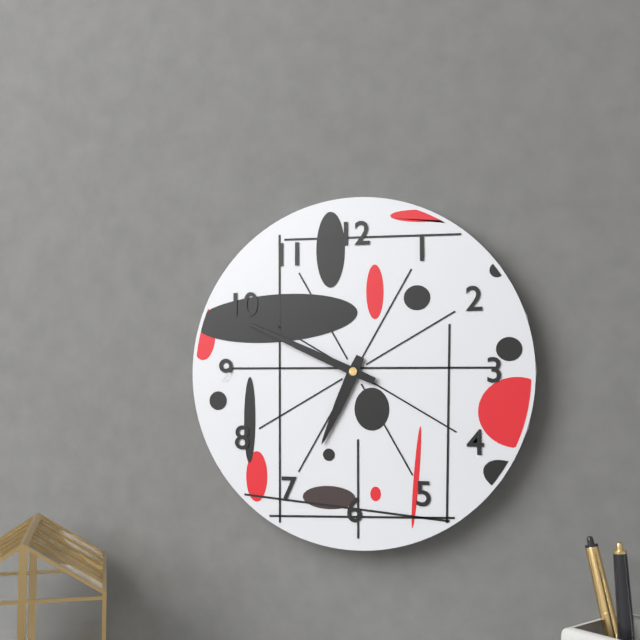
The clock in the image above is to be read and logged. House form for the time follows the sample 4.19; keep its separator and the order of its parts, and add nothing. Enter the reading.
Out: 6.49
